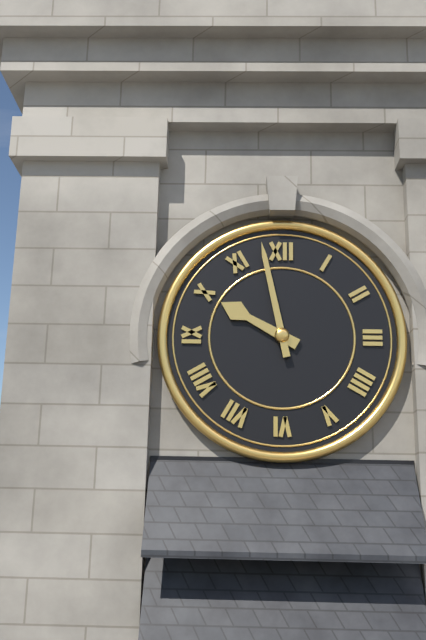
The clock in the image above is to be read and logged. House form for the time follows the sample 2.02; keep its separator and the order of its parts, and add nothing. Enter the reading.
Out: 9.58
